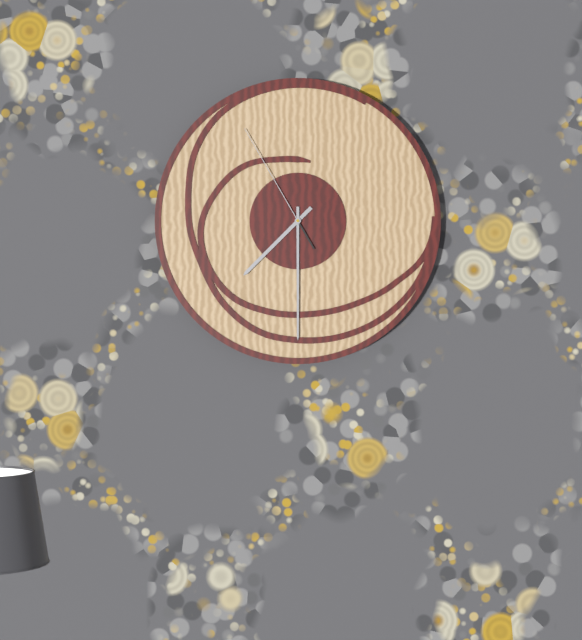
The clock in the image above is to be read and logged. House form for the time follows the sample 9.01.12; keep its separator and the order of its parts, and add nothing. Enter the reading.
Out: 7.30.55
